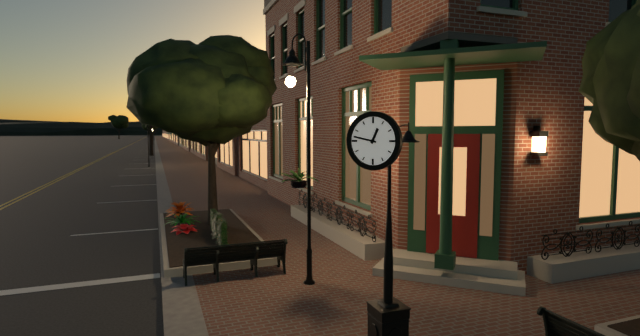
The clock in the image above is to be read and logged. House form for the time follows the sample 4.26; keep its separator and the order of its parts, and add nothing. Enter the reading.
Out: 12.47
